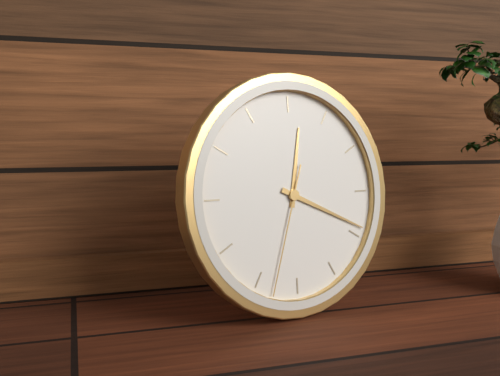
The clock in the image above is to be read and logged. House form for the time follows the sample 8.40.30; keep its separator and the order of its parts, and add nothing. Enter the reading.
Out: 12.19.33
